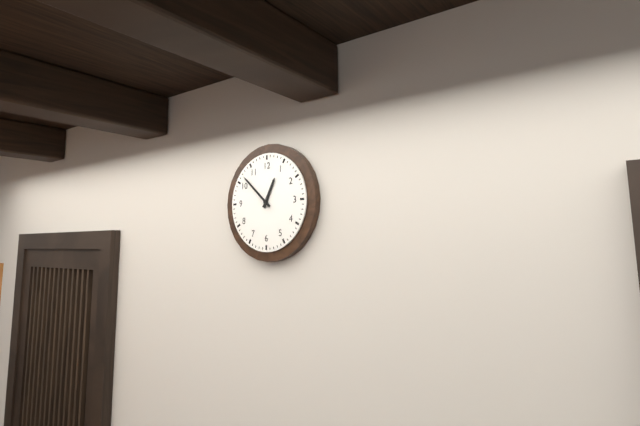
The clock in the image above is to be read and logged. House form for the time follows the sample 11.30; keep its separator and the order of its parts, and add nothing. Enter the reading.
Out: 12.52
